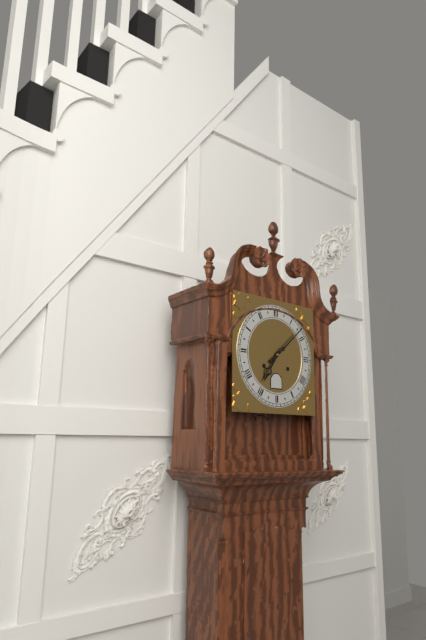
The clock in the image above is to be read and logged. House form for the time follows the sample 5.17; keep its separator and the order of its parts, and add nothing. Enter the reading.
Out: 7.08
